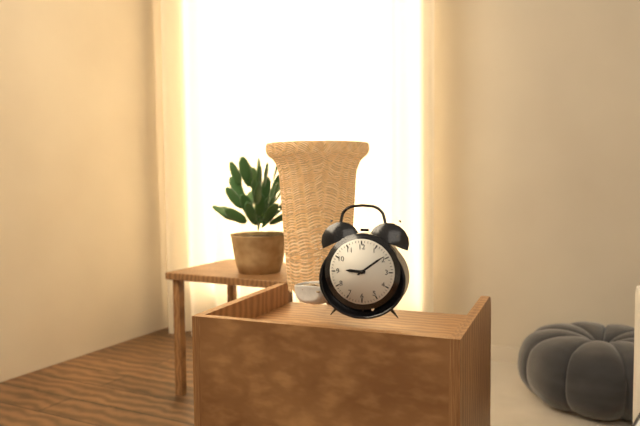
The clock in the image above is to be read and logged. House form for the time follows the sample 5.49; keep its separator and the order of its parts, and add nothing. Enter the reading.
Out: 9.09
